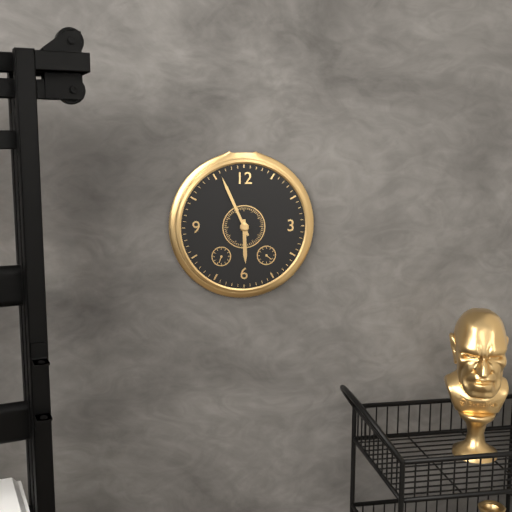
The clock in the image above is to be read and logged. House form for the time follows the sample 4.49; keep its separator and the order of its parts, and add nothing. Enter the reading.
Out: 5.56
